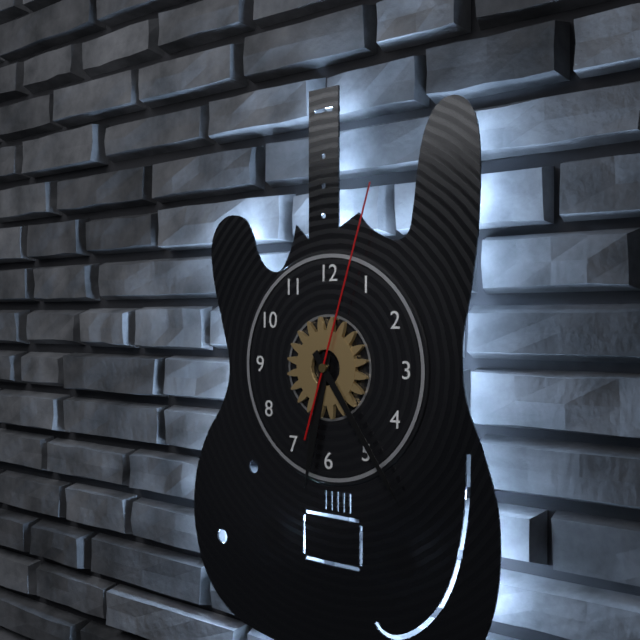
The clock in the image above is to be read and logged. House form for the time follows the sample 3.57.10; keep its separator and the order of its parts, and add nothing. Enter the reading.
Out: 6.24.03
